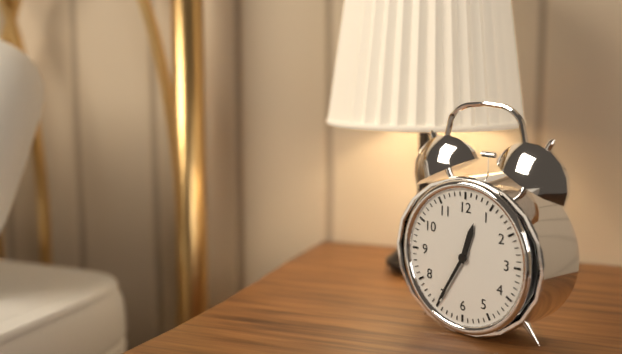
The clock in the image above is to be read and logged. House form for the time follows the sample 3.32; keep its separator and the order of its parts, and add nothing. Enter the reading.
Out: 12.35
